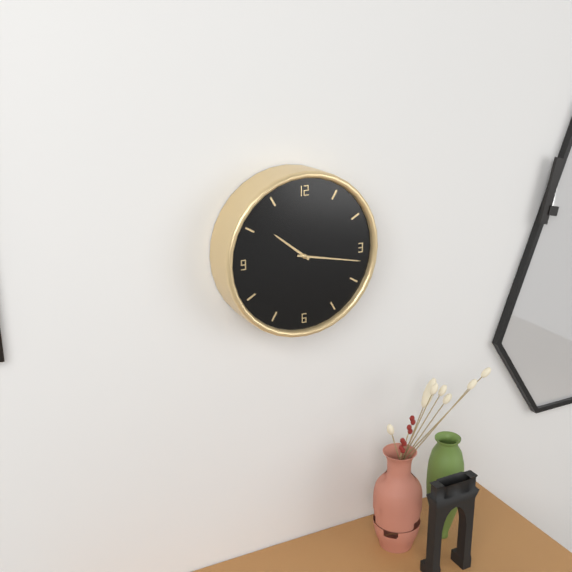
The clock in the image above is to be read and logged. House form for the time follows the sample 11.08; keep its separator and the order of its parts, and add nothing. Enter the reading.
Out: 10.17
